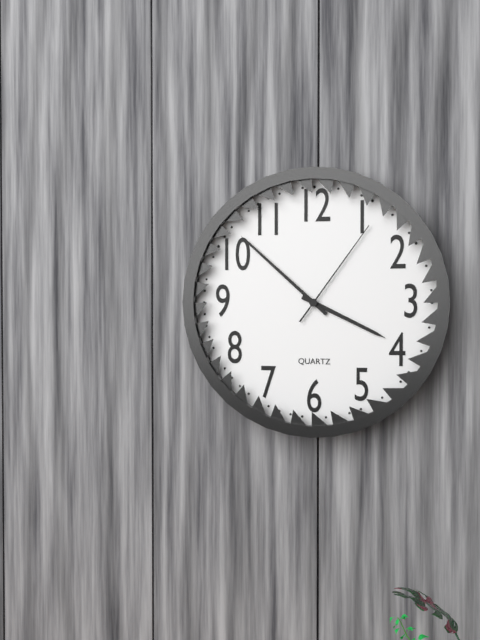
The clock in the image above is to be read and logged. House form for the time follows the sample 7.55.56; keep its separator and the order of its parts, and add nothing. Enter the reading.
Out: 3.52.06
